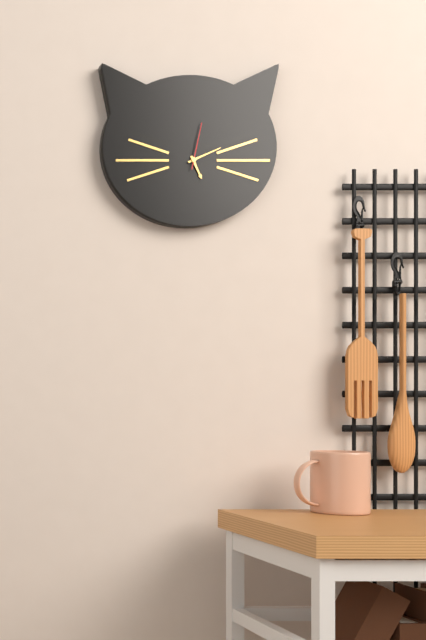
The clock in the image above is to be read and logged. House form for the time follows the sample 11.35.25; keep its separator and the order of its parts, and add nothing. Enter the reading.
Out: 5.11.02
